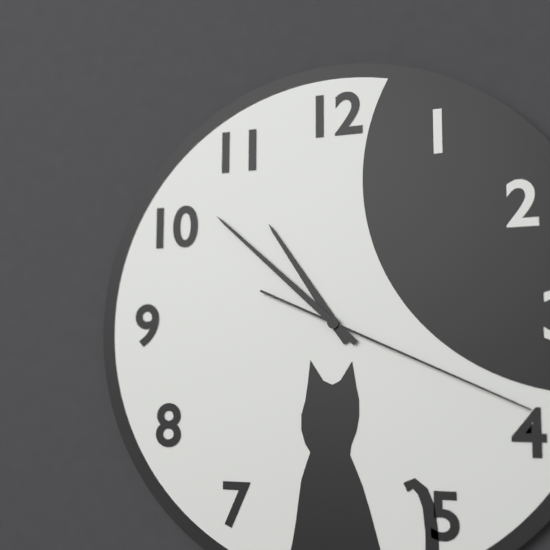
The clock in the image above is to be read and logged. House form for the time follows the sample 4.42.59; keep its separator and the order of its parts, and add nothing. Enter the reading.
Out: 10.52.19
